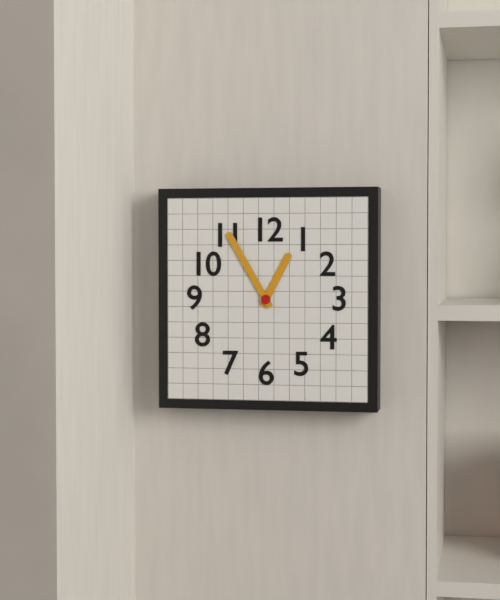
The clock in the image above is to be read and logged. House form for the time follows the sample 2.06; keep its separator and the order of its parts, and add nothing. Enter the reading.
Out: 12.55
